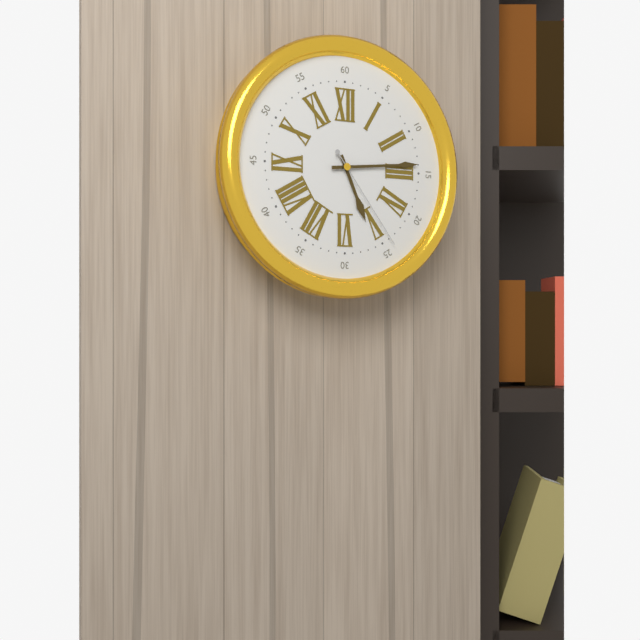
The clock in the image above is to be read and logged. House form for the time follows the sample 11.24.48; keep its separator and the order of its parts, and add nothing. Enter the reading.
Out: 5.14.24
